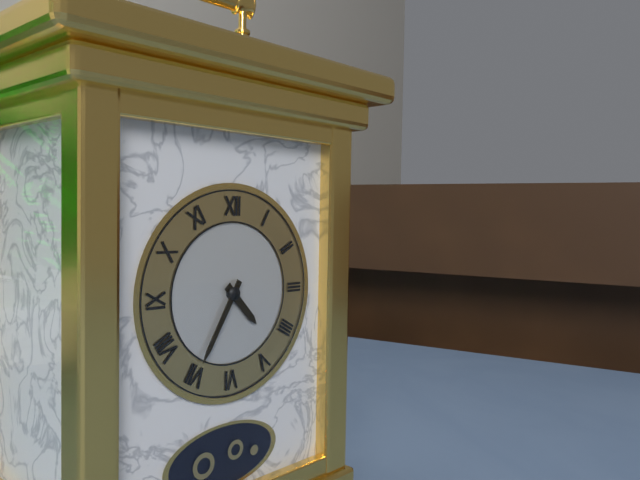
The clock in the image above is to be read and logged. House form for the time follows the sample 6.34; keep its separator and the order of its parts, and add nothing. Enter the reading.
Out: 4.35
